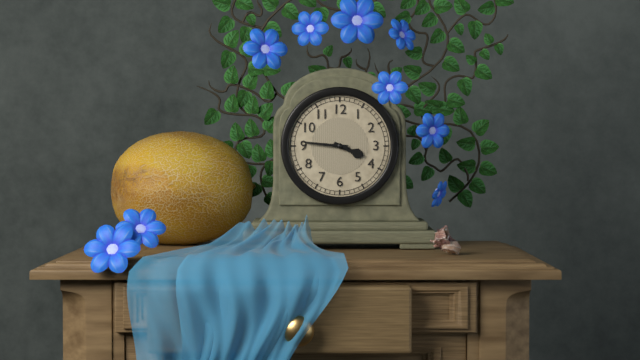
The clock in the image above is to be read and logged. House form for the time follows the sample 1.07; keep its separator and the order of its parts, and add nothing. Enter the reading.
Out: 3.46
